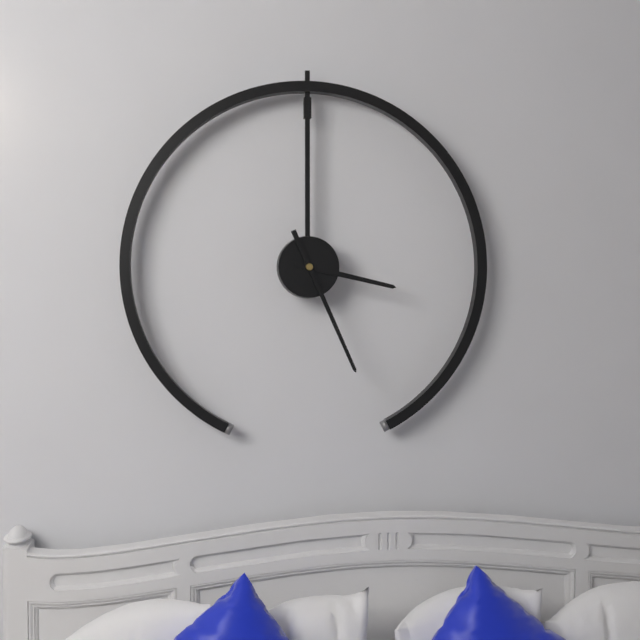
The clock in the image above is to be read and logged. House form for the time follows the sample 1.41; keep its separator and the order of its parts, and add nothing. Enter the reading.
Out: 3.26
